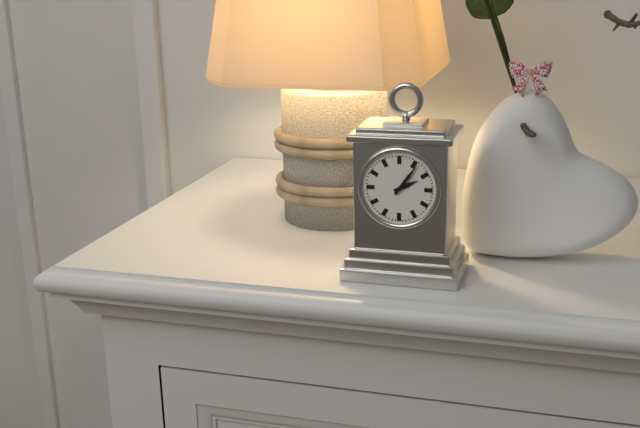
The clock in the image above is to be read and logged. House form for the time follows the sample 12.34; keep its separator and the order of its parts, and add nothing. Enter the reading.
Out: 2.06
